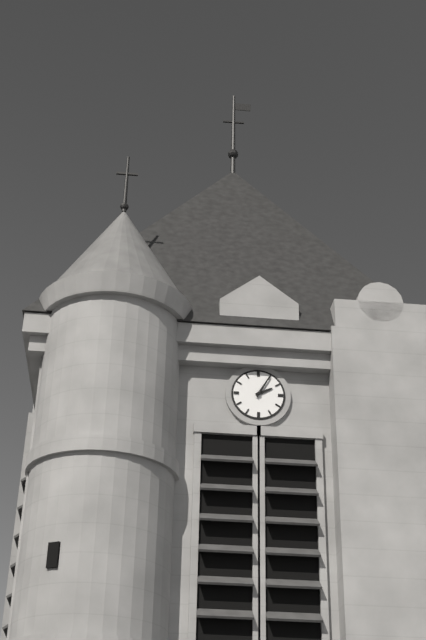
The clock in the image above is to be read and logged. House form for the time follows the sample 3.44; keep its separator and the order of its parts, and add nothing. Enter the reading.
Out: 2.05
